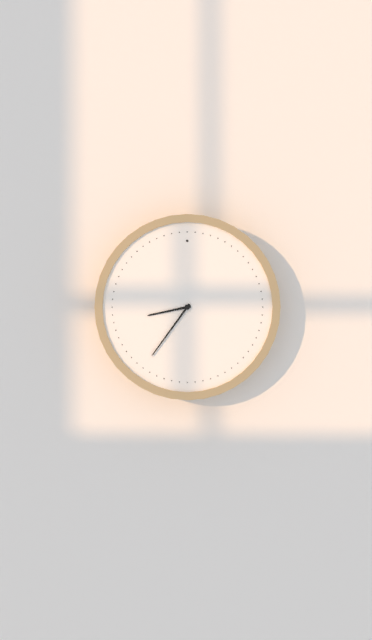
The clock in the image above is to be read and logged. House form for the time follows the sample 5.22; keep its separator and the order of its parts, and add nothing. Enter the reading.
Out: 8.36
